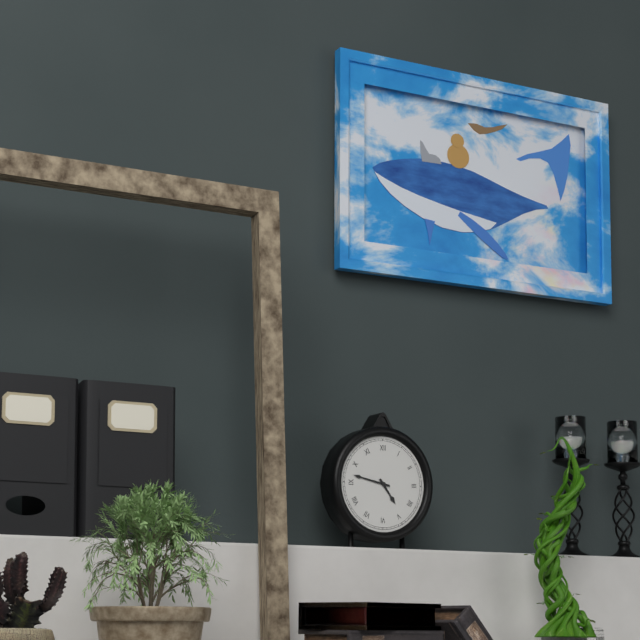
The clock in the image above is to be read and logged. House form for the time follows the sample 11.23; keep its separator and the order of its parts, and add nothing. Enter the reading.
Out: 4.47
